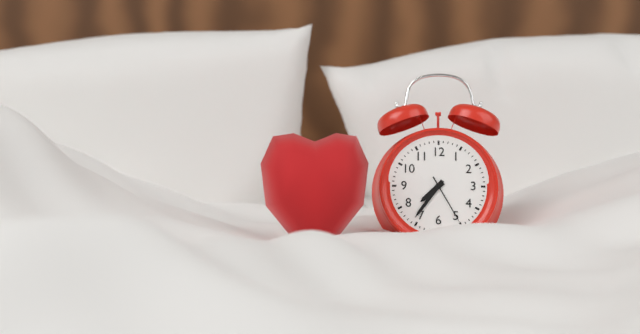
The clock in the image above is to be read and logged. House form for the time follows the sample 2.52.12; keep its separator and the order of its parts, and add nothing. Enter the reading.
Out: 7.36.25
